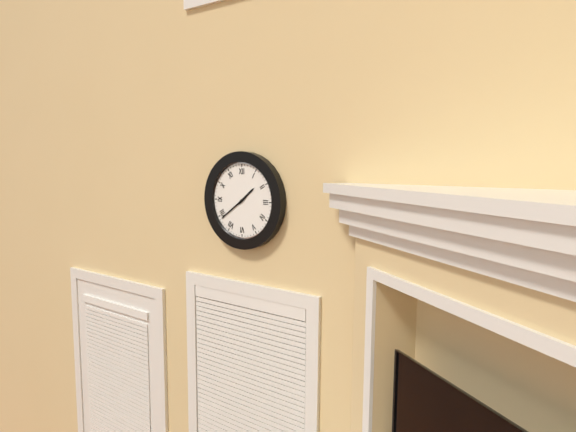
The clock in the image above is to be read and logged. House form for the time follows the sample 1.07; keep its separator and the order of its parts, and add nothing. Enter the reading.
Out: 1.39
